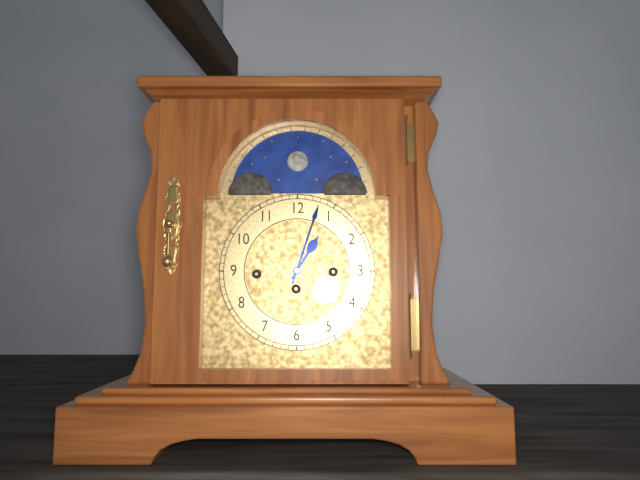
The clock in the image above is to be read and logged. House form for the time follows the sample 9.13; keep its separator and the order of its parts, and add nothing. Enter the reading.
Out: 1.03
